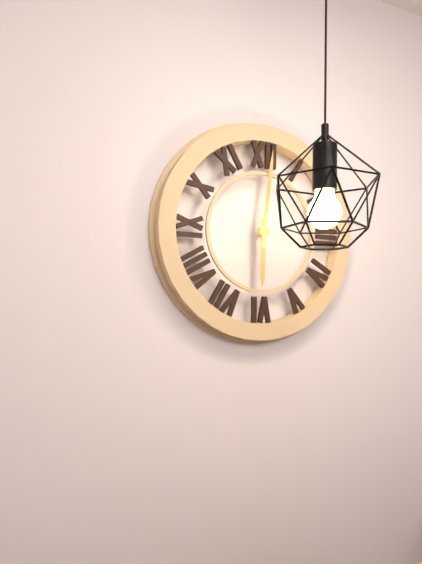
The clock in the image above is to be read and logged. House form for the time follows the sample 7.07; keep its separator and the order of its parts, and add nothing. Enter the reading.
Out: 6.01
